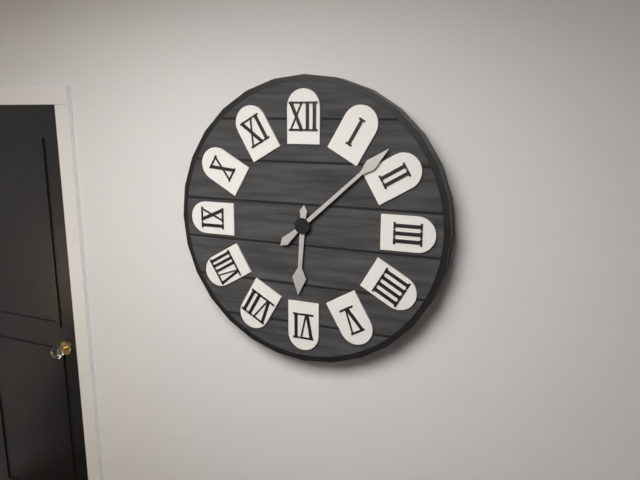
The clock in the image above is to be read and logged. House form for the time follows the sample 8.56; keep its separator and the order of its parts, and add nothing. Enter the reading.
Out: 6.08
